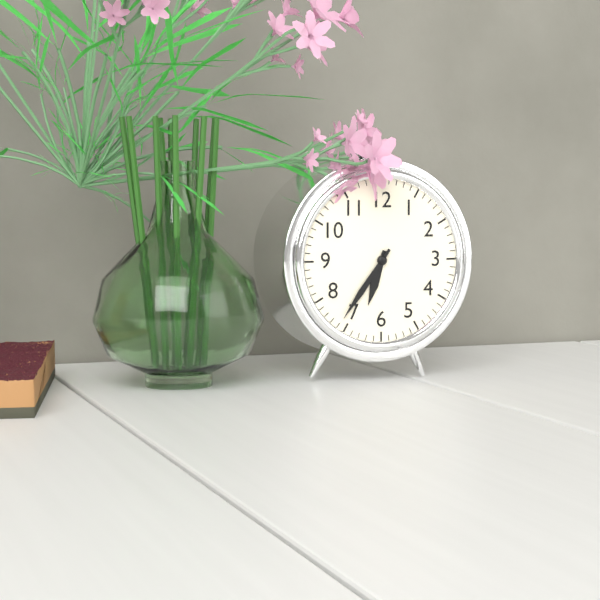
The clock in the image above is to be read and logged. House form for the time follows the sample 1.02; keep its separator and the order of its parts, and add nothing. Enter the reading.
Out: 6.36
